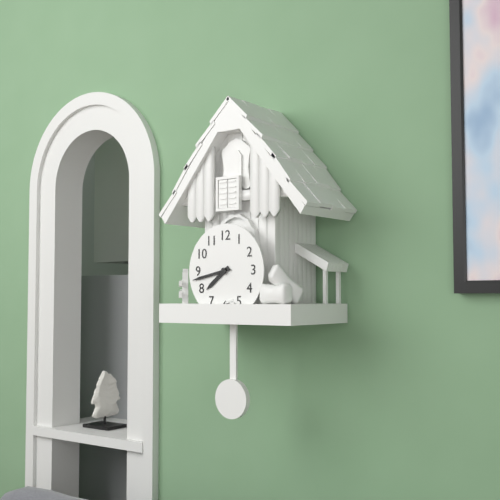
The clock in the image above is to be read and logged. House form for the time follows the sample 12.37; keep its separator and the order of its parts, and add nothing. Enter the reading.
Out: 7.43
